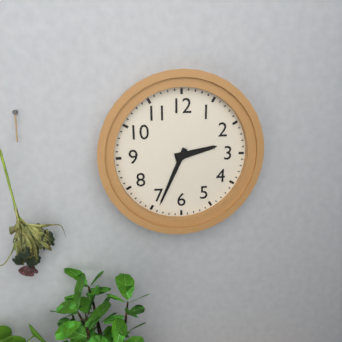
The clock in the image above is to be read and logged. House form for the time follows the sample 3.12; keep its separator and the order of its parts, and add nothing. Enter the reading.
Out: 2.34
